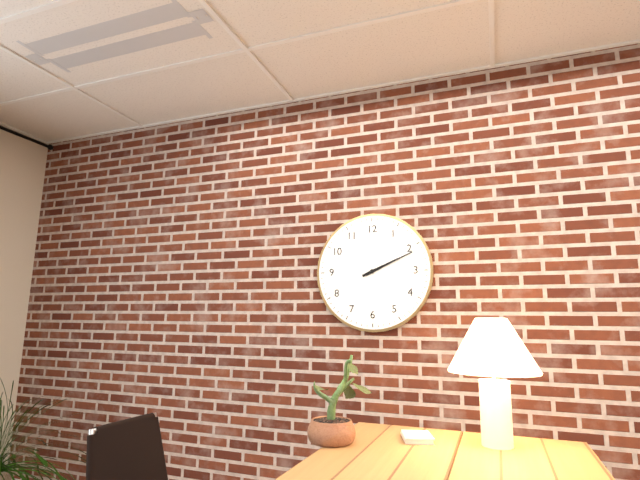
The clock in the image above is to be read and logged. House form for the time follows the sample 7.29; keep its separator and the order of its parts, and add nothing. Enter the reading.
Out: 2.11
